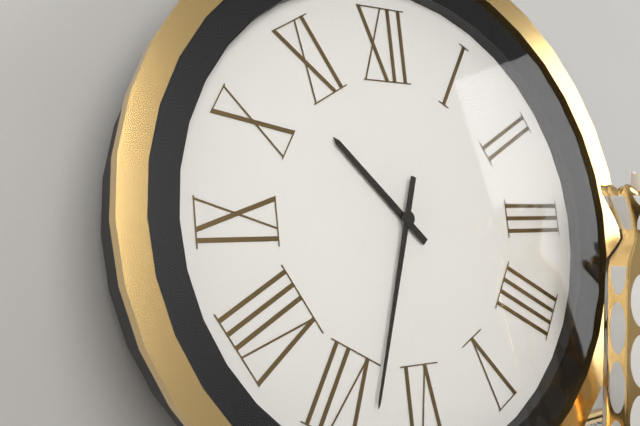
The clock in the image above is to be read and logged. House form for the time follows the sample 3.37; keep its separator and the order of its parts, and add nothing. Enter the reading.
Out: 10.33
